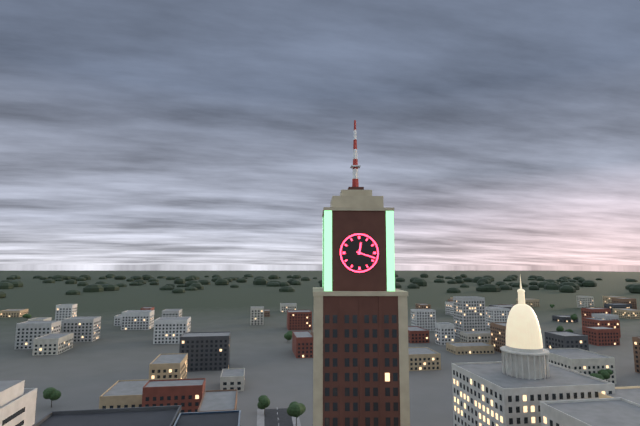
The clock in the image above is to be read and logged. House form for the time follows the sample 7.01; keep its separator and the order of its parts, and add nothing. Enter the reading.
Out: 12.18
